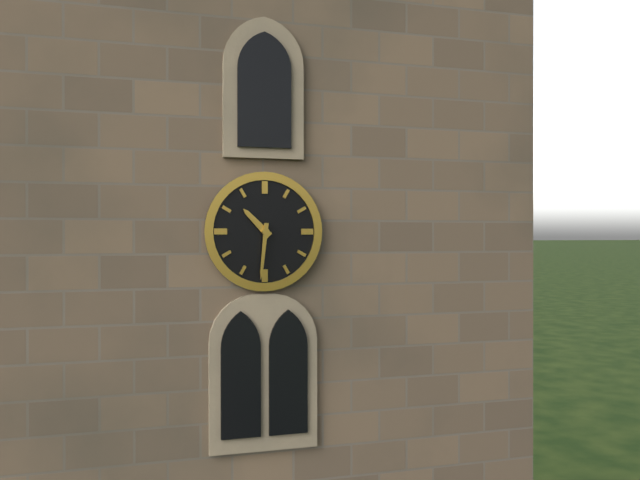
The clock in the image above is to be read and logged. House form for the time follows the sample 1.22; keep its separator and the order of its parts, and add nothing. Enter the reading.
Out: 10.31
